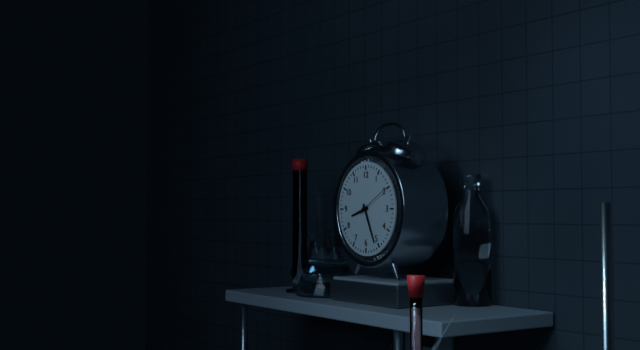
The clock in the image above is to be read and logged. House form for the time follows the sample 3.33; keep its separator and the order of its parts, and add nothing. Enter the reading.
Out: 8.26
